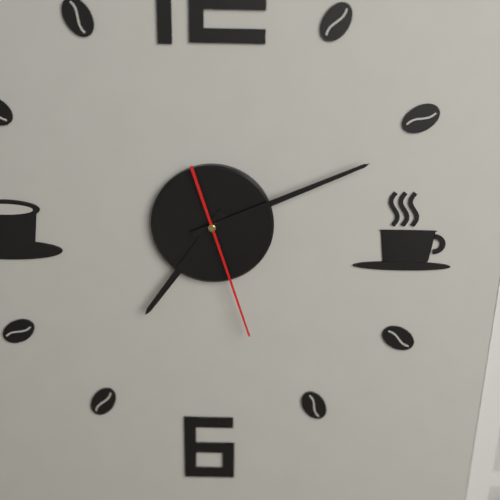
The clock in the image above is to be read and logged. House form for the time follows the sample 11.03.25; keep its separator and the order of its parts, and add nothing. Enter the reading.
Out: 7.11.27
